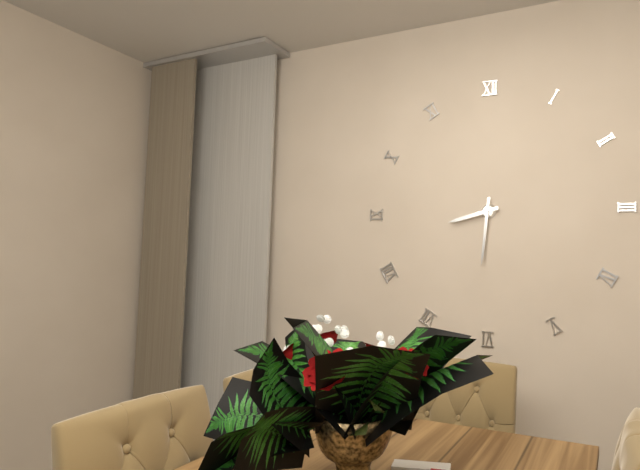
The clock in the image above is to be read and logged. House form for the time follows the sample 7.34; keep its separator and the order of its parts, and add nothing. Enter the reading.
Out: 8.31
